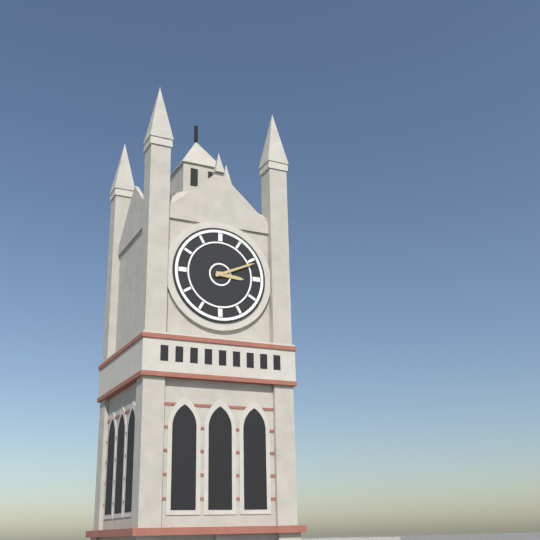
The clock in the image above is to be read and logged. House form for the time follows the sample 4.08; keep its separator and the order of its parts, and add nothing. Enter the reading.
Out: 3.11
